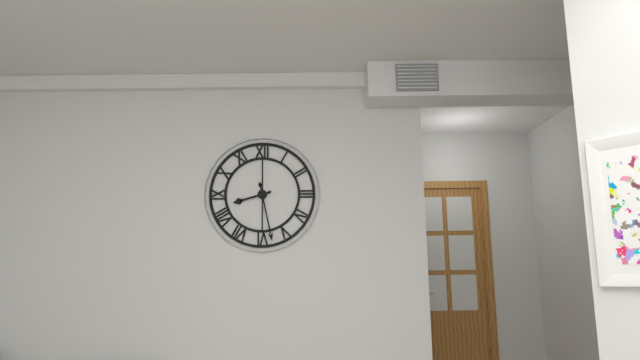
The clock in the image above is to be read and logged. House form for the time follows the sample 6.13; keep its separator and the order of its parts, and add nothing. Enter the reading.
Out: 8.28
